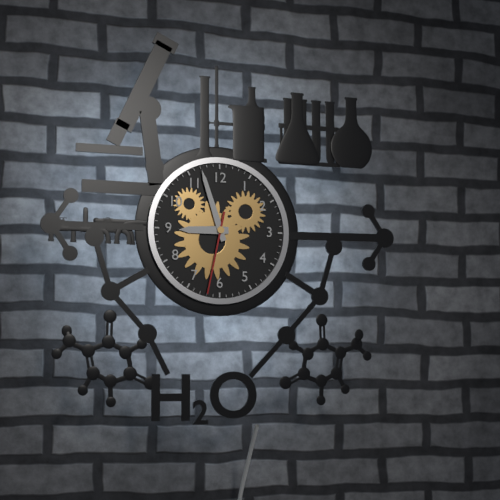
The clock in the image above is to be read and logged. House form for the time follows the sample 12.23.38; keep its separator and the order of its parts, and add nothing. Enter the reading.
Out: 8.57.32
